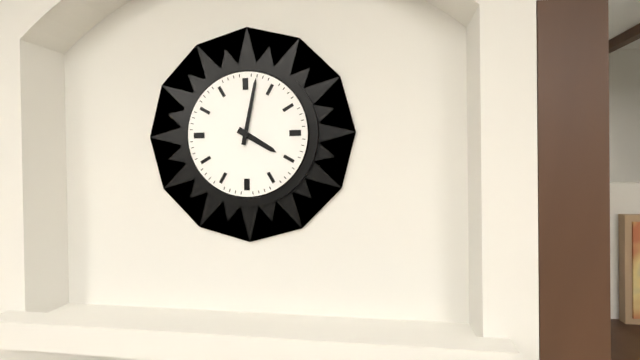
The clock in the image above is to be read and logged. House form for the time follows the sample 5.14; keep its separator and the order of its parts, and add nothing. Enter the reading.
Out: 4.02
